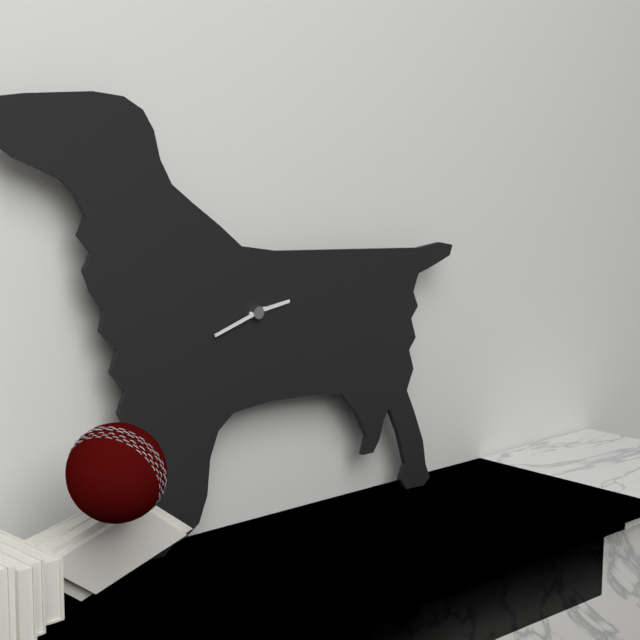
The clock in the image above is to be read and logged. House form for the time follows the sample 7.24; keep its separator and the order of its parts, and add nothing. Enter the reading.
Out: 2.42
